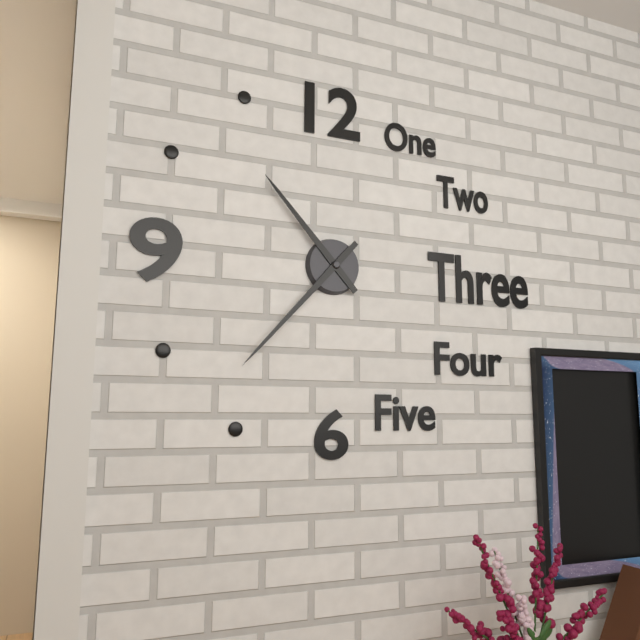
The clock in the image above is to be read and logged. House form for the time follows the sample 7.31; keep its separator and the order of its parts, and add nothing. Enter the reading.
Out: 10.37
